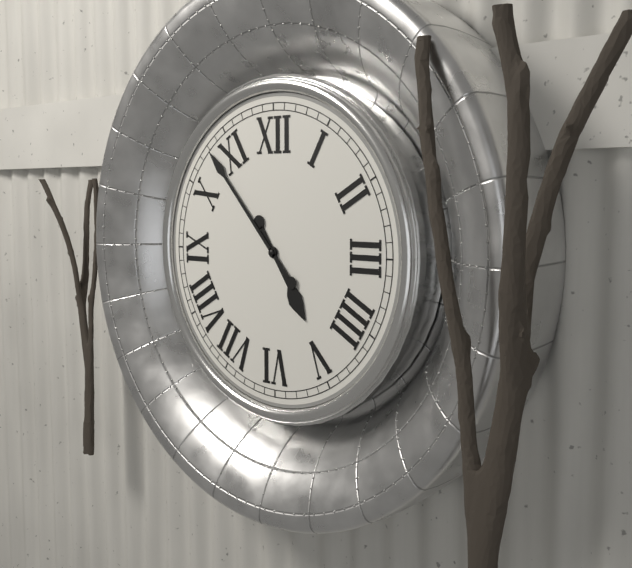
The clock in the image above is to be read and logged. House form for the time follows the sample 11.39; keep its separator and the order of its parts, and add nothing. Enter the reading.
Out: 4.53
